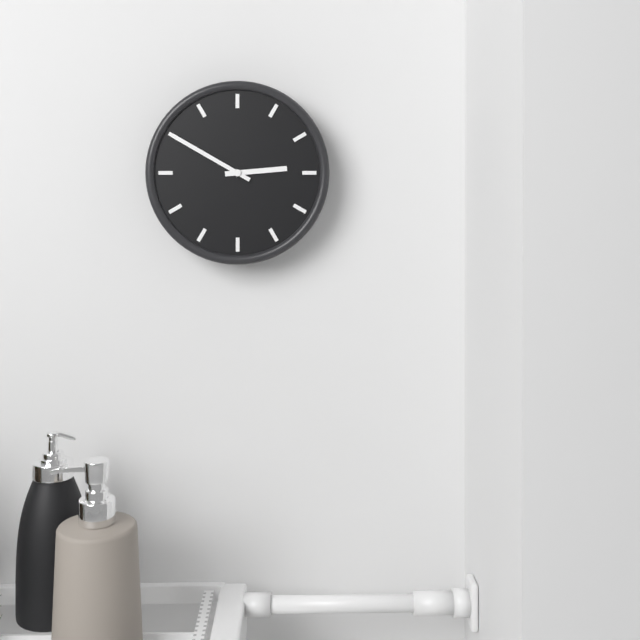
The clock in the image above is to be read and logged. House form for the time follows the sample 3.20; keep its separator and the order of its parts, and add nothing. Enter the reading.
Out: 2.50
